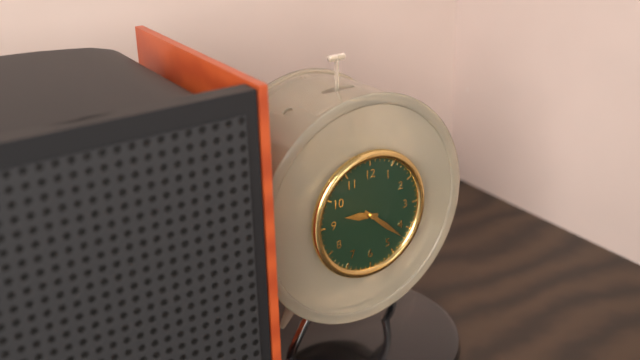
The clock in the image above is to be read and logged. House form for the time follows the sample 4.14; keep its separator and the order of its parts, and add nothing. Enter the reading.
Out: 9.22
